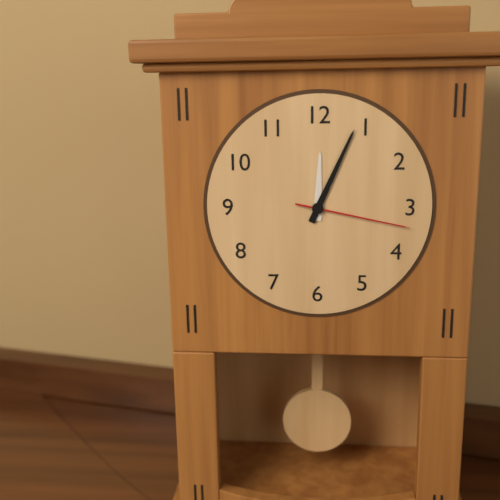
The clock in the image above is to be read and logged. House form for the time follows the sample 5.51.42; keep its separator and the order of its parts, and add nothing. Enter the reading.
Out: 12.04.17
